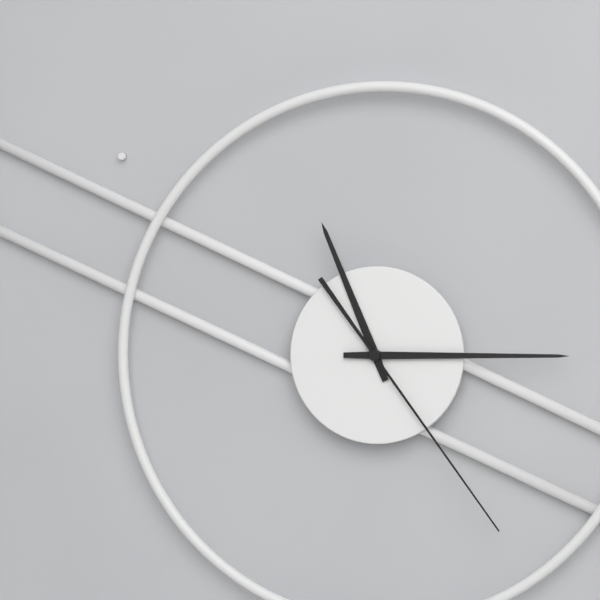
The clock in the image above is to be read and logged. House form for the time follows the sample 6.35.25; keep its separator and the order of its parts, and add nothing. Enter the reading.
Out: 11.15.24
